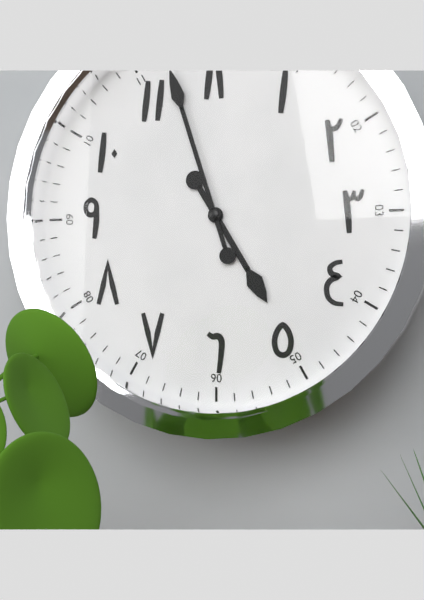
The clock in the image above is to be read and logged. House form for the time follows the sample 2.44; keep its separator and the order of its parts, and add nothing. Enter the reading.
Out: 4.57
